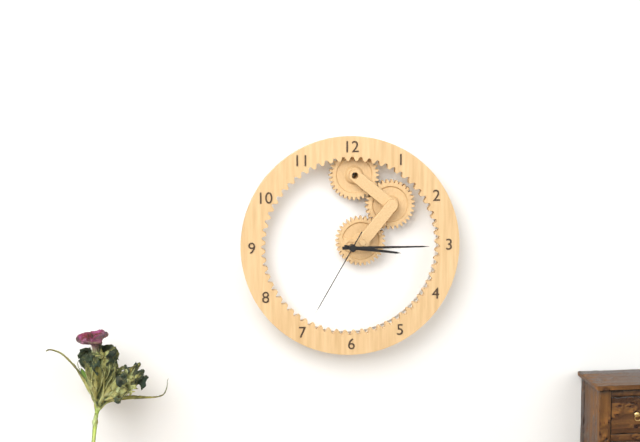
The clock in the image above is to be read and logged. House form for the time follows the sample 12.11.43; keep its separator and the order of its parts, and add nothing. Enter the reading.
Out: 3.15.35
